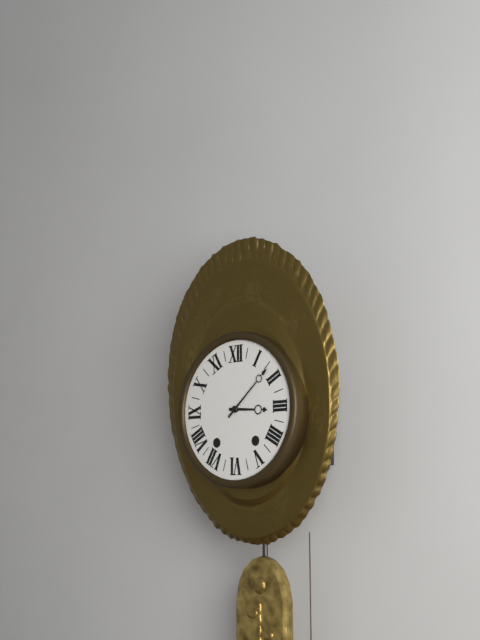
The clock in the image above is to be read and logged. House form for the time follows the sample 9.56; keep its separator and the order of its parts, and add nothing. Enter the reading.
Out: 3.08
